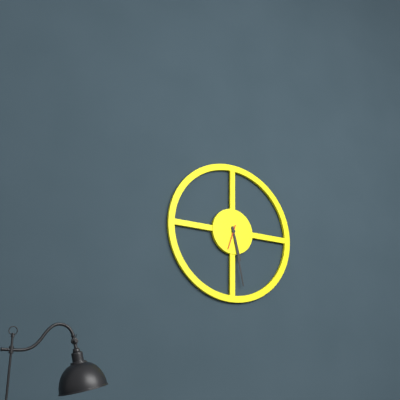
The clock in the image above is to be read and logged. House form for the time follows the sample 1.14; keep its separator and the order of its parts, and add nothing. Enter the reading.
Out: 5.28
